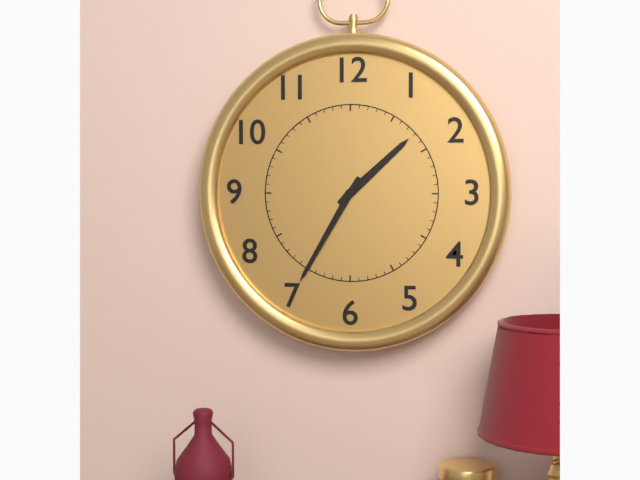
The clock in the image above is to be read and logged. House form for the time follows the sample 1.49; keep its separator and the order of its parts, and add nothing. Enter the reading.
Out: 1.35
